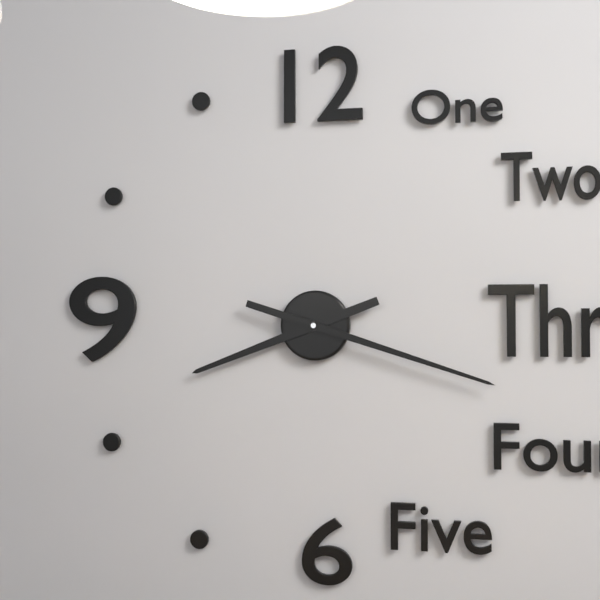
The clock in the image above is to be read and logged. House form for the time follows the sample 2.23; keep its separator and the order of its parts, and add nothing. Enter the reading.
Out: 8.18
